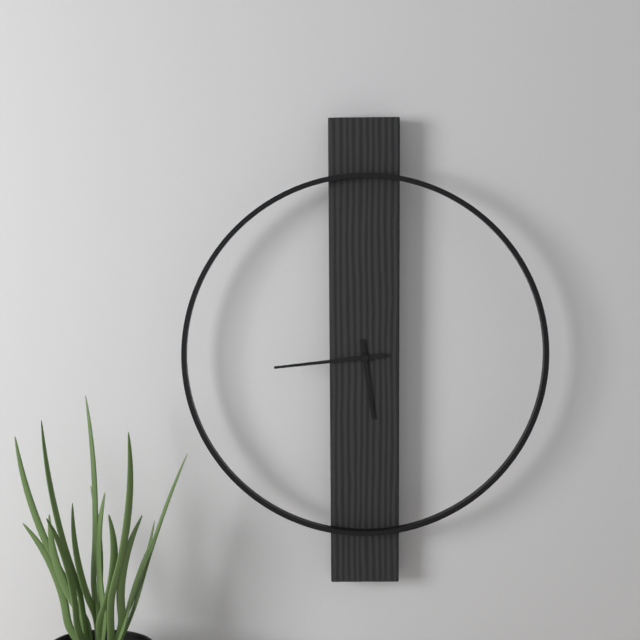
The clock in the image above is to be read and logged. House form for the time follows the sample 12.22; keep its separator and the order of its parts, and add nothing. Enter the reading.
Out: 5.44
